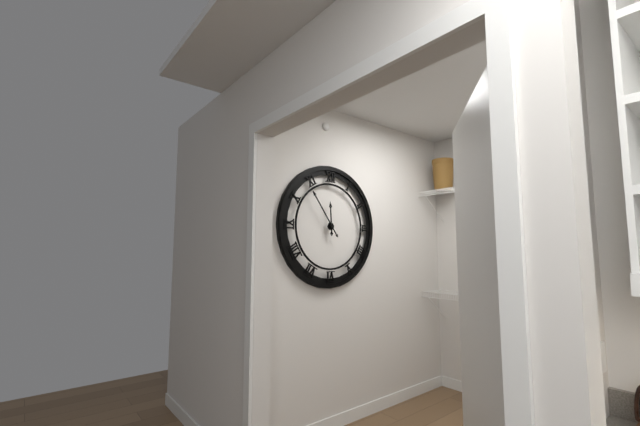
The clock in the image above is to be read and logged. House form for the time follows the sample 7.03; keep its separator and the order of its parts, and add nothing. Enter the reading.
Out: 11.54
